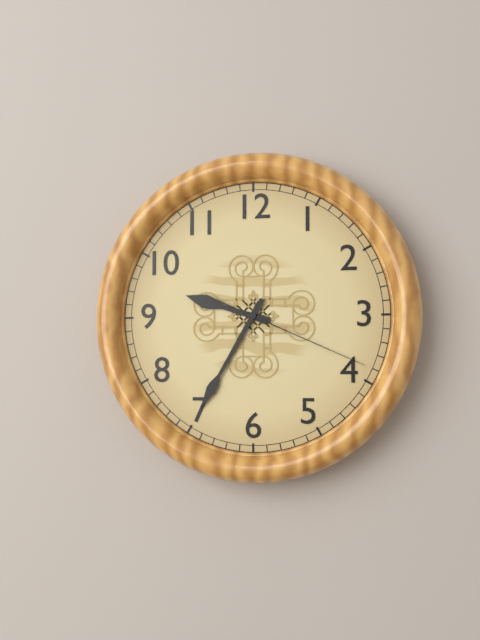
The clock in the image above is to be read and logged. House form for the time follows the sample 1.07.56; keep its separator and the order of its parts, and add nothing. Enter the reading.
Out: 9.35.19
